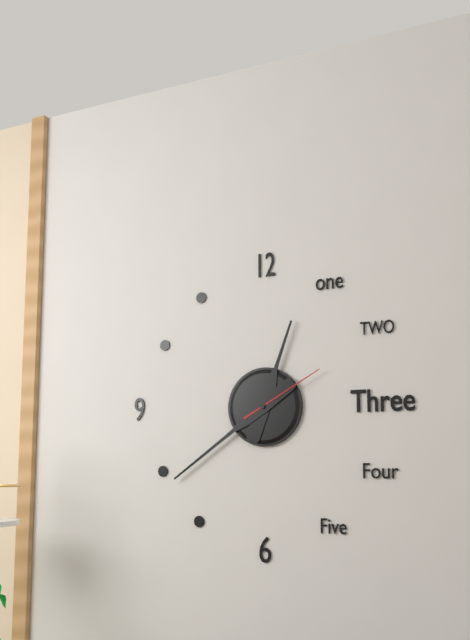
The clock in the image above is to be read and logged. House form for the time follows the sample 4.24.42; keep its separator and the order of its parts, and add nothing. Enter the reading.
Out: 12.39.10
